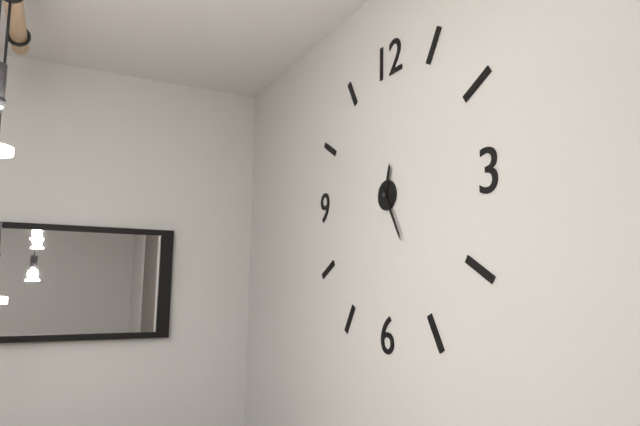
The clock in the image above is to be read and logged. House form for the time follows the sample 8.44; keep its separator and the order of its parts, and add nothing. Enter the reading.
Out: 12.25
